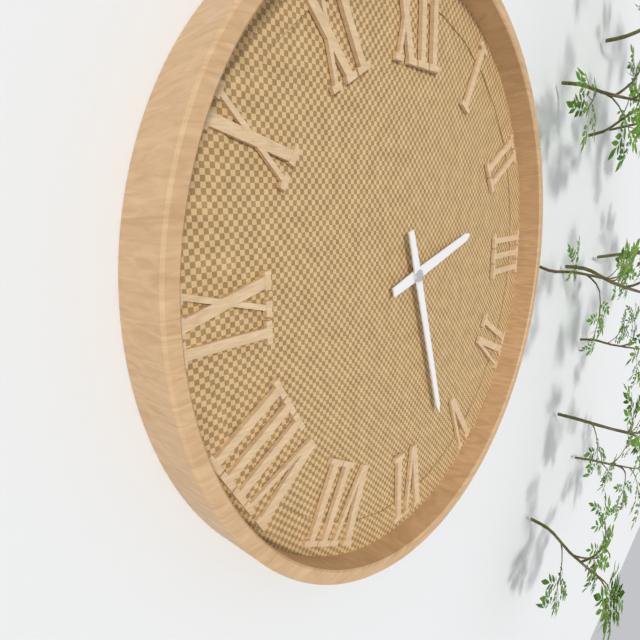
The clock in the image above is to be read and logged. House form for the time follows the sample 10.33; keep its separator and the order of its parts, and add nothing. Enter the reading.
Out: 2.27
